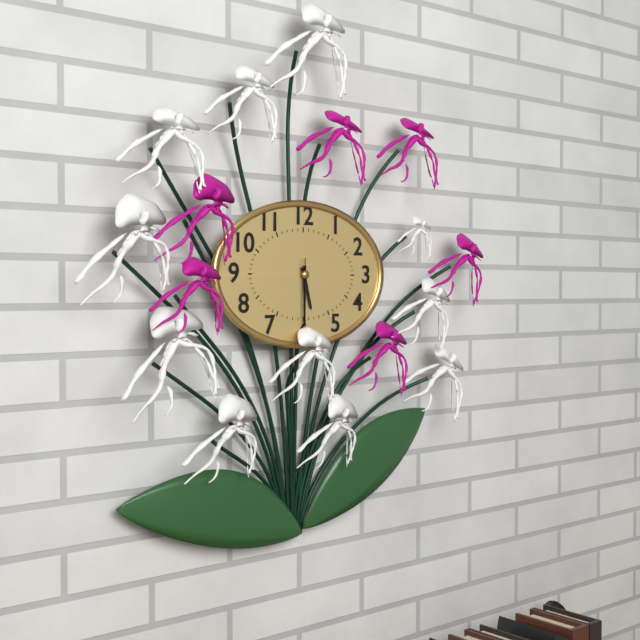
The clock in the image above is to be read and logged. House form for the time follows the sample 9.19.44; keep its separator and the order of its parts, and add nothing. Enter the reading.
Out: 5.30.30
